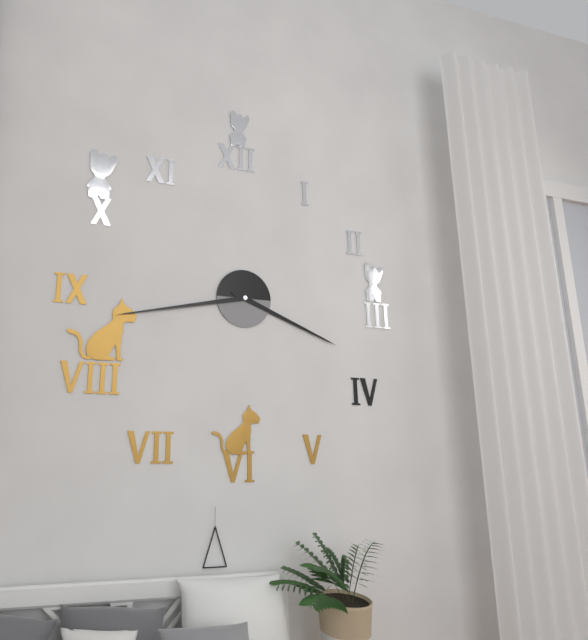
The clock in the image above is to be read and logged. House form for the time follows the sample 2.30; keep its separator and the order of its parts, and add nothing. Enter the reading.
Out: 3.43
